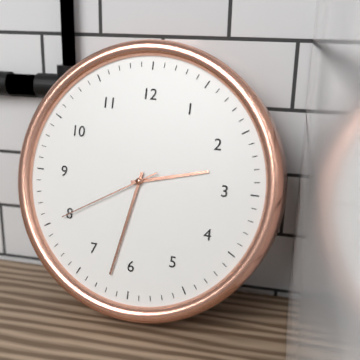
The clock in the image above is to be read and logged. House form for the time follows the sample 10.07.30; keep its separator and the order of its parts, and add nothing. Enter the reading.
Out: 2.32.40
